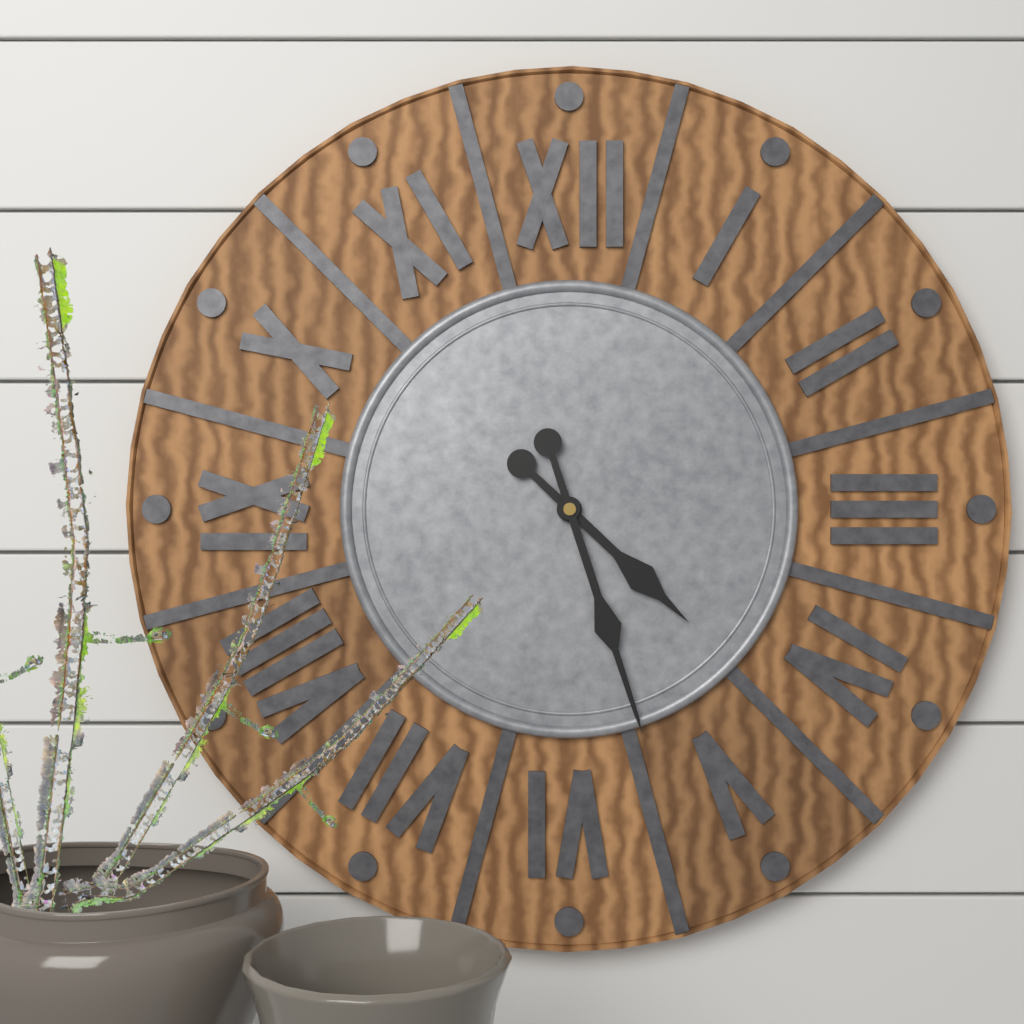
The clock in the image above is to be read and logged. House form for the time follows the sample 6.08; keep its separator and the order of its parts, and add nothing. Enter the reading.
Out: 4.27
